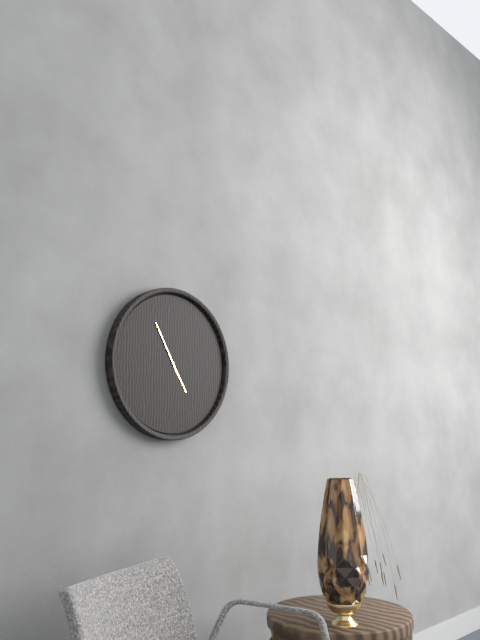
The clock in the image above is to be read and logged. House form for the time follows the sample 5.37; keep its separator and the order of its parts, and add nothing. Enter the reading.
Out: 4.55
